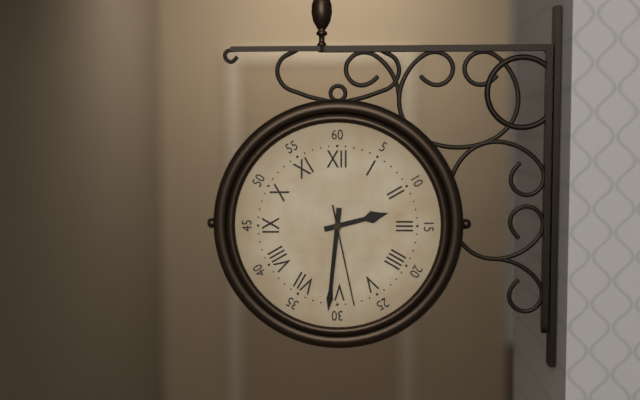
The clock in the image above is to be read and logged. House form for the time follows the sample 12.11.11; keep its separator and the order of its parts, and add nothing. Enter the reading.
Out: 2.31.28
